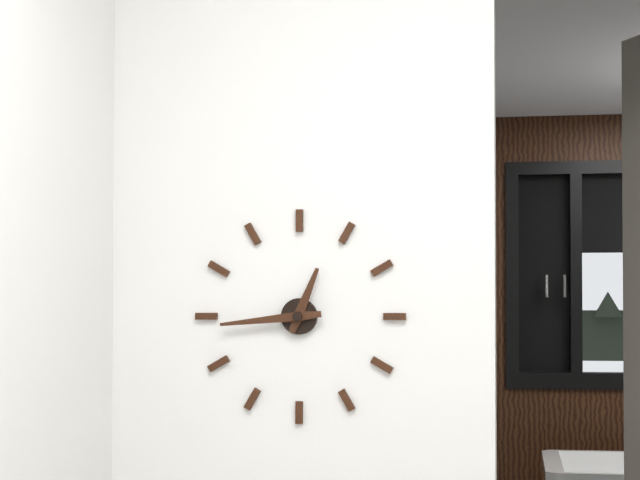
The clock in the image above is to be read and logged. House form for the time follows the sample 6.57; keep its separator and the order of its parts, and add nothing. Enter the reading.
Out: 12.44
